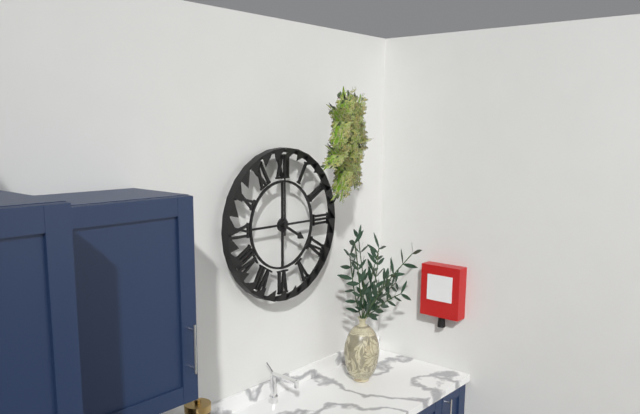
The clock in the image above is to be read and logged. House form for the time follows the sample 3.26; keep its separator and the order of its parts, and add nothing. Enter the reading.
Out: 4.00
